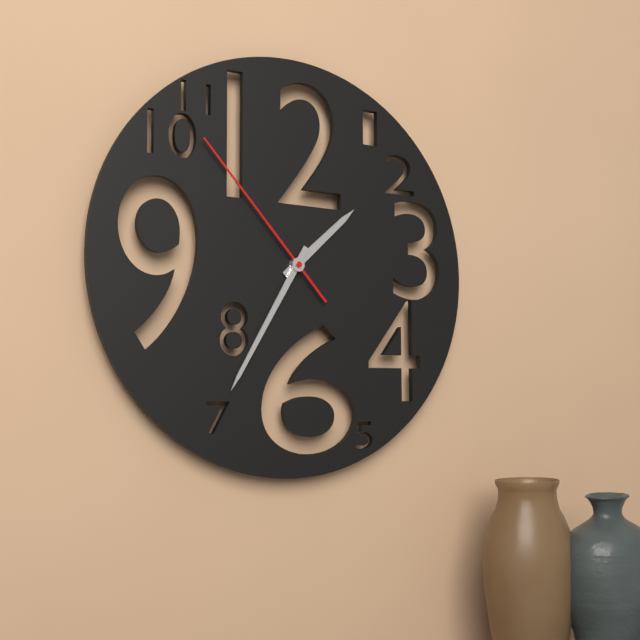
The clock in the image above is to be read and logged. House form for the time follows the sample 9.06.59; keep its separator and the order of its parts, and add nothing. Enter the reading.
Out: 1.35.53
